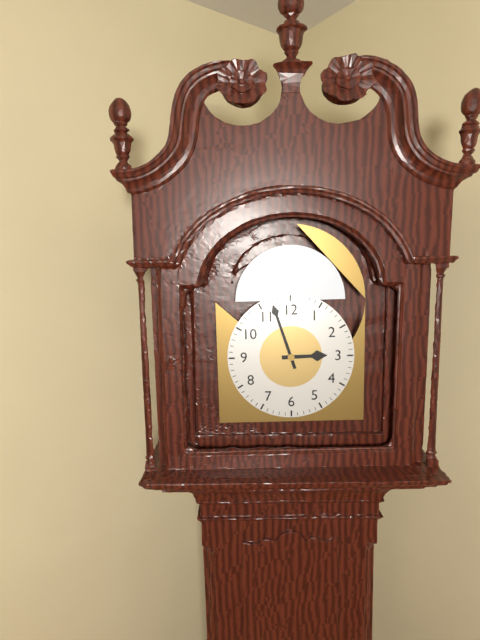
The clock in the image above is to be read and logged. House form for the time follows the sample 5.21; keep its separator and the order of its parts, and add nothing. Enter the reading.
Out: 2.57
